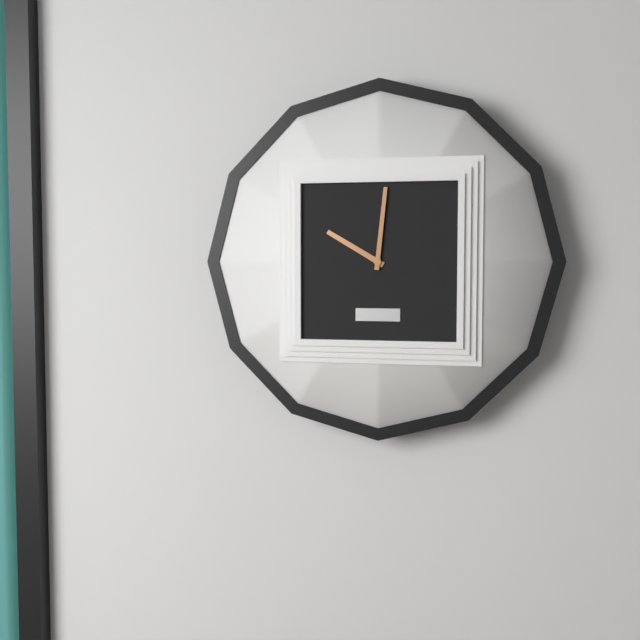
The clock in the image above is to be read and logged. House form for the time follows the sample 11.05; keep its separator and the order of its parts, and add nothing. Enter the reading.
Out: 10.01
